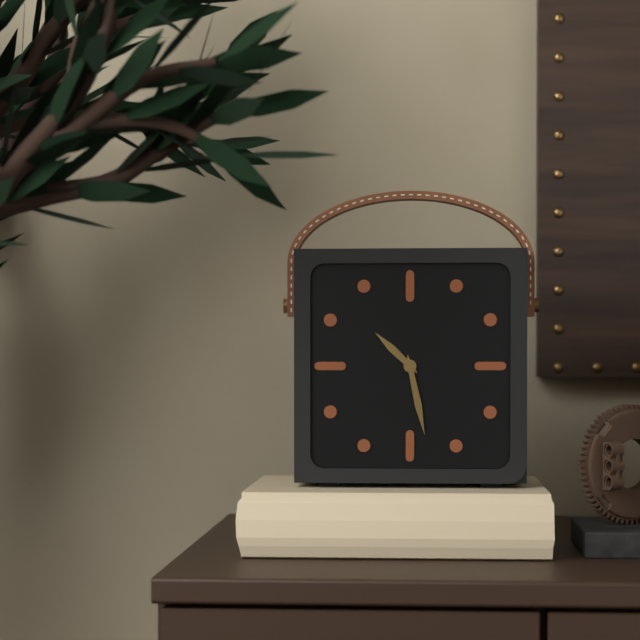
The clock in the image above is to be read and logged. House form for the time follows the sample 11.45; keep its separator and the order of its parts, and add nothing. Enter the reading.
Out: 10.28
